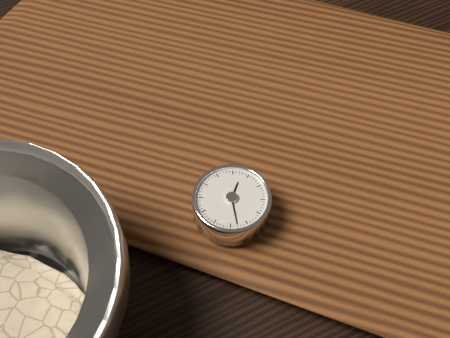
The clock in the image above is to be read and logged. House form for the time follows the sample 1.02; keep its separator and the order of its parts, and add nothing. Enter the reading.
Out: 1.33
